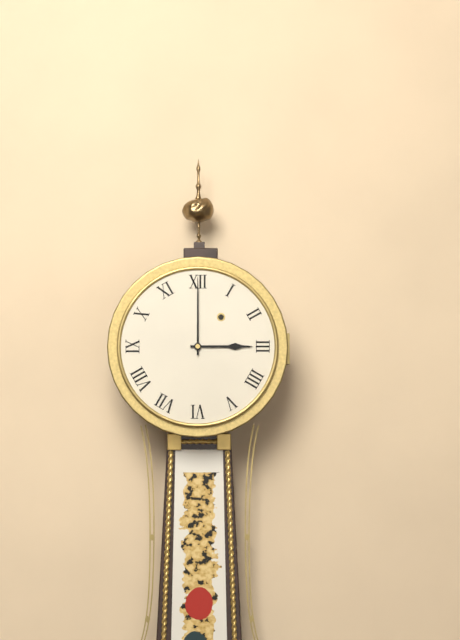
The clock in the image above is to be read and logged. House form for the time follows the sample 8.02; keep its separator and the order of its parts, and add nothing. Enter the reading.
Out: 3.00
